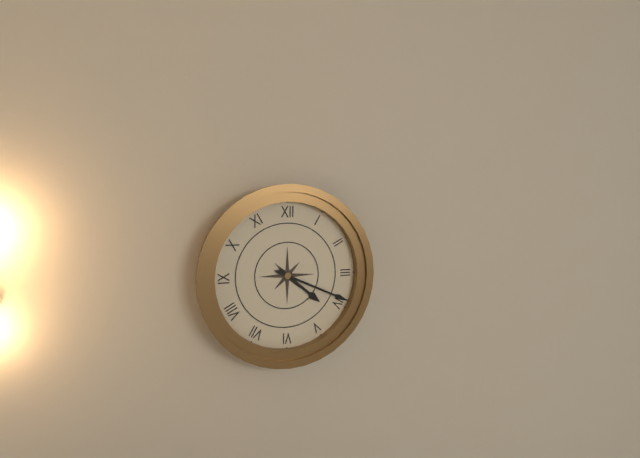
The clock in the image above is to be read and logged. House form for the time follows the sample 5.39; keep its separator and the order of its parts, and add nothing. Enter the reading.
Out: 4.19
